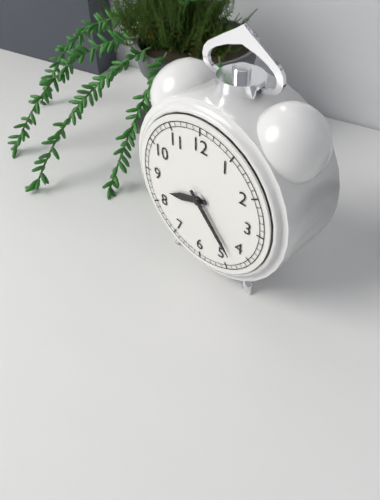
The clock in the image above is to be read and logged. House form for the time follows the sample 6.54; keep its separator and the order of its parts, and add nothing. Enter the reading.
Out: 8.23
